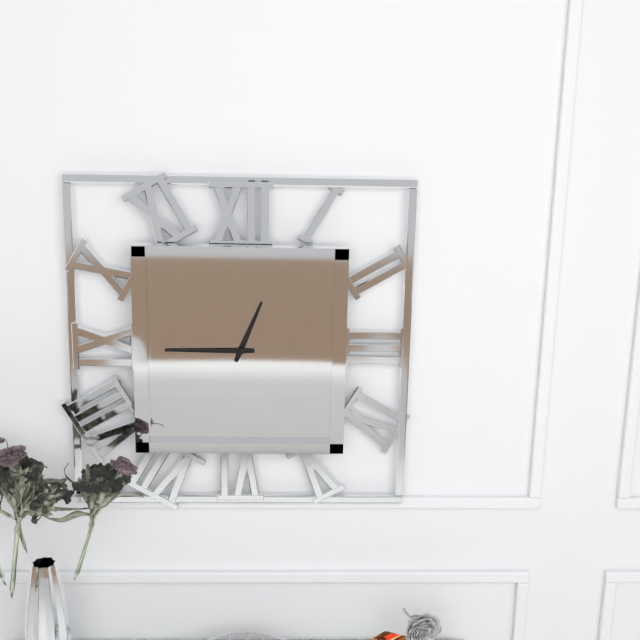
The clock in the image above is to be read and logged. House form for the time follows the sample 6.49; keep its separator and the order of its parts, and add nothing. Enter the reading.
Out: 12.45
